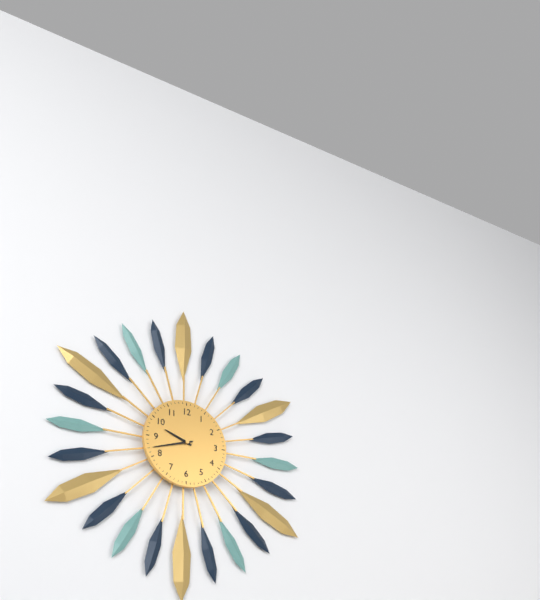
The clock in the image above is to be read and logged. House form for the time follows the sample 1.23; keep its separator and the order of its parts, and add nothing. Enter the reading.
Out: 9.42
